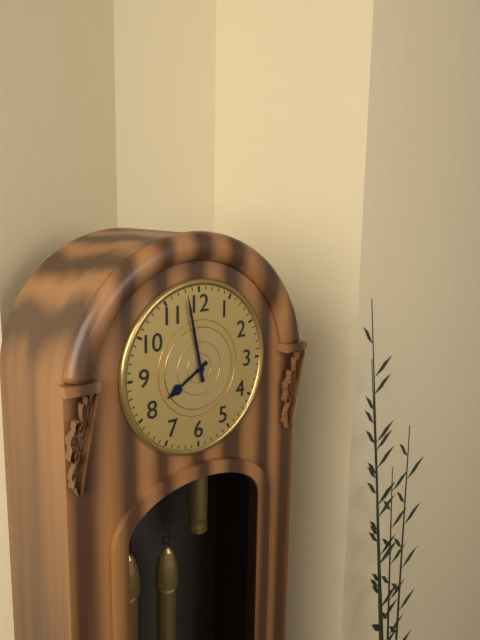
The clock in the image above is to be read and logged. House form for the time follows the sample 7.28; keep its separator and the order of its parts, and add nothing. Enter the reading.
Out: 7.58
